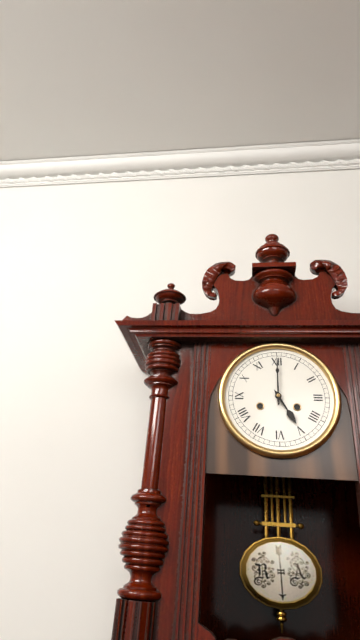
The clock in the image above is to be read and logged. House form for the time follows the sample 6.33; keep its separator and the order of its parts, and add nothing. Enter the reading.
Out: 5.00
